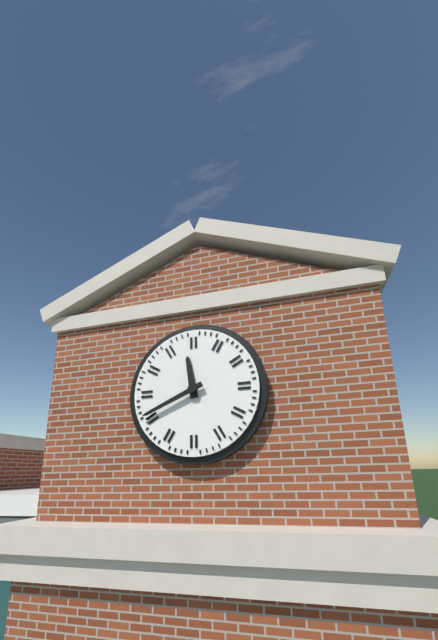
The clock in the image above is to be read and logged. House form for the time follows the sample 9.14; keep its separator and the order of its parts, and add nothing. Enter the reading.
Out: 11.41
